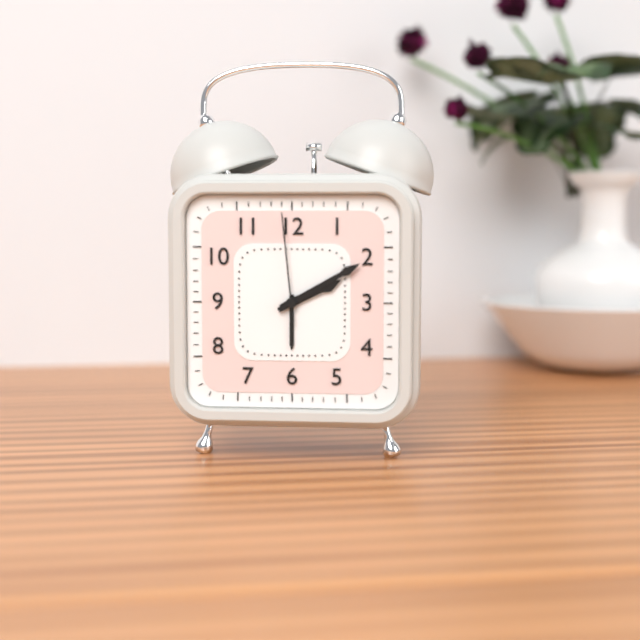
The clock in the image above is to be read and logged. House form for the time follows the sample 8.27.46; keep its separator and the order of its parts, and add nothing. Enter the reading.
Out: 2.10.59
